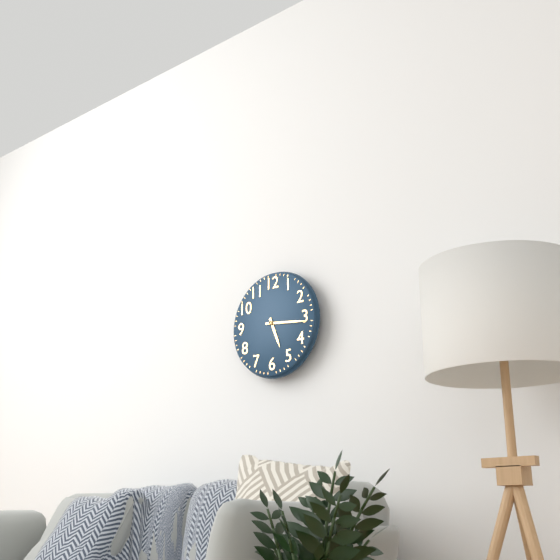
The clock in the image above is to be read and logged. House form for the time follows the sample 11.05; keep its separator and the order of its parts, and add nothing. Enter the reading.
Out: 5.16
